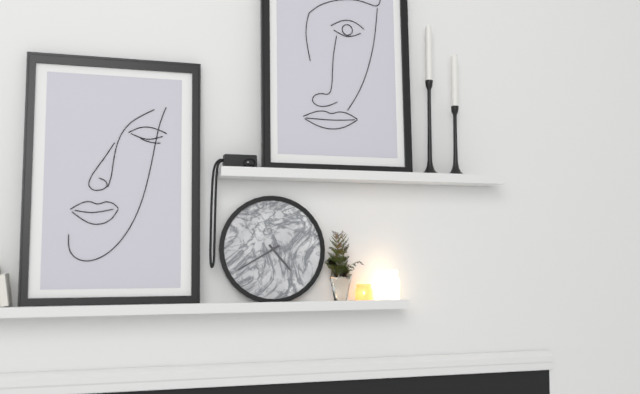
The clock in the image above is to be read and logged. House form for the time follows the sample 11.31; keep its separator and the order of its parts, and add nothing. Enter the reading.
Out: 4.40
